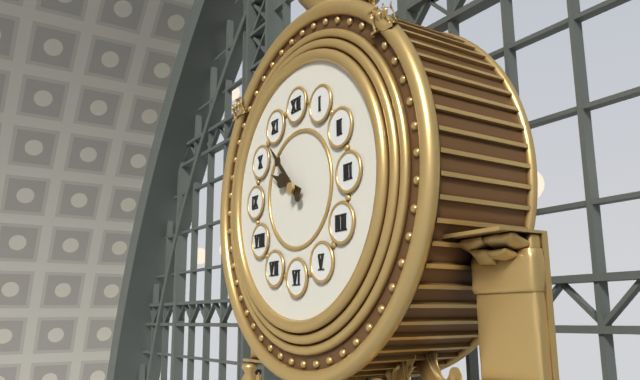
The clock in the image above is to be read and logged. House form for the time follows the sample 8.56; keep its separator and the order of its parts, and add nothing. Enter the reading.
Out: 9.53
